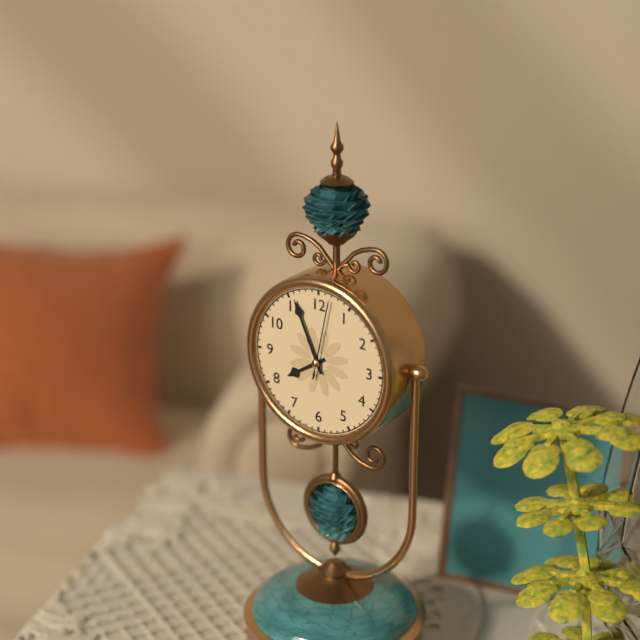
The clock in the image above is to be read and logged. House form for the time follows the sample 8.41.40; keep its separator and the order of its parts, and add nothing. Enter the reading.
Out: 7.56.02
